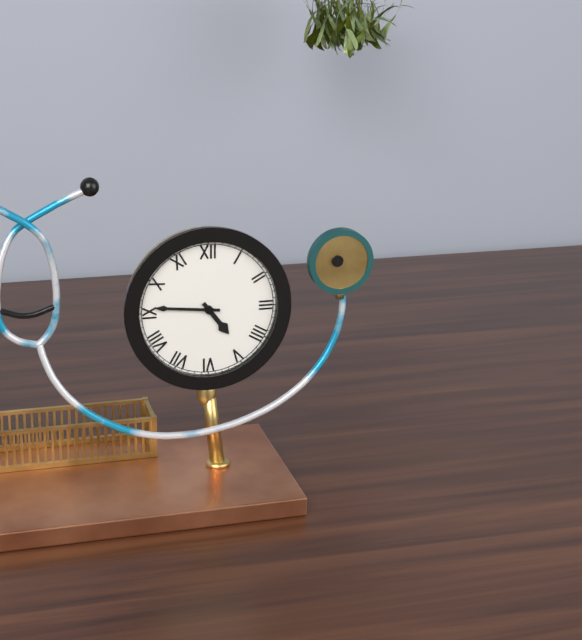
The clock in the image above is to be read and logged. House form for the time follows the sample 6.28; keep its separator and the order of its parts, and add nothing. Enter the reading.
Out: 4.46
